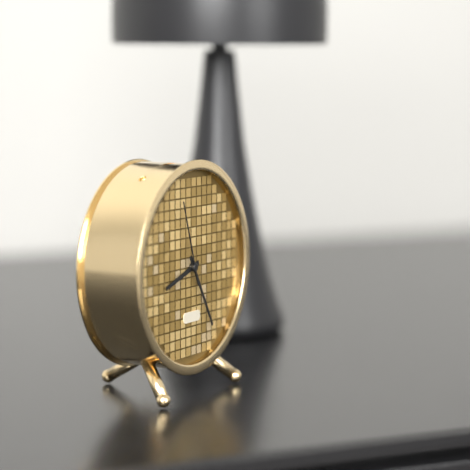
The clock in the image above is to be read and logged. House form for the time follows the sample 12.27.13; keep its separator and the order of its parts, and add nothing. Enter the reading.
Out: 8.25.57
